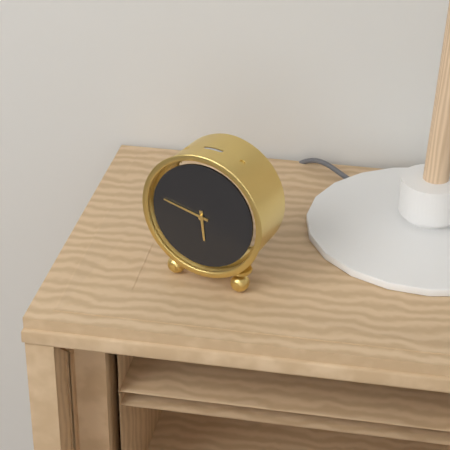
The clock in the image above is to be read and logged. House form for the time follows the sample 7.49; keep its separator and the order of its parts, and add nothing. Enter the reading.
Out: 5.47
